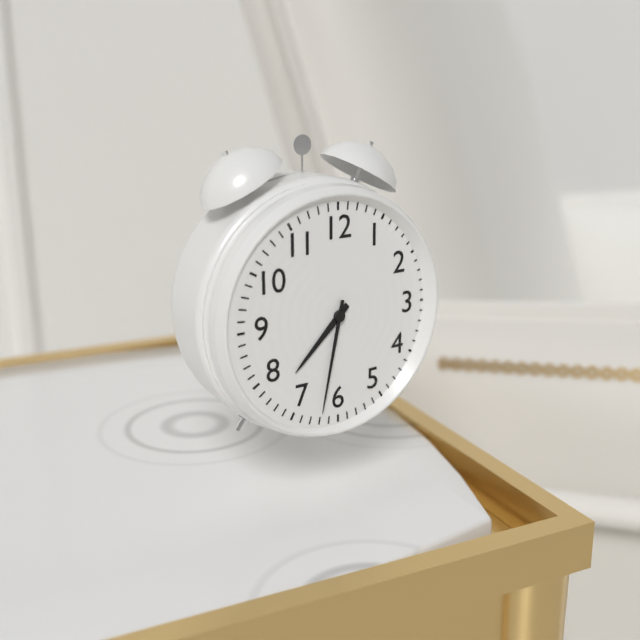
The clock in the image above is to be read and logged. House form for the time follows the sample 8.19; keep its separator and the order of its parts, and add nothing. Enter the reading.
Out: 7.32
